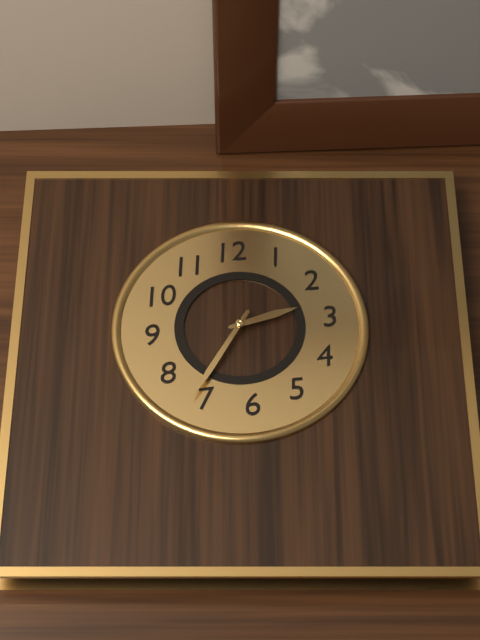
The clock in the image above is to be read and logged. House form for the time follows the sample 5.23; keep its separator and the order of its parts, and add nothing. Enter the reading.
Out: 2.36
